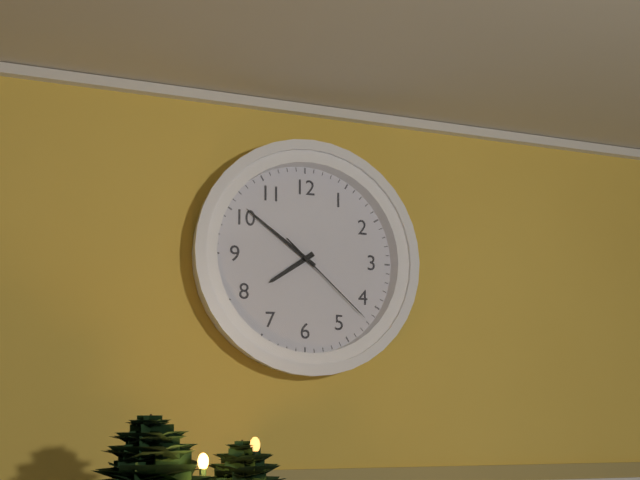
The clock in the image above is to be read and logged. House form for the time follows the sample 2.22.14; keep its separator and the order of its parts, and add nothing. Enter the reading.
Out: 7.51.22
